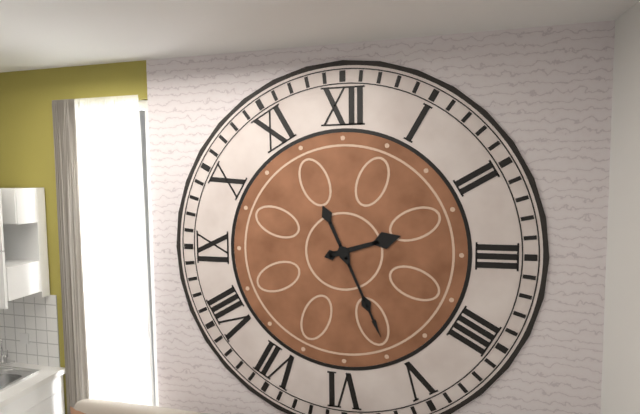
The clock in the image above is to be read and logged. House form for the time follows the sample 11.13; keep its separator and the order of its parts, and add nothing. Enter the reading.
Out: 2.26
